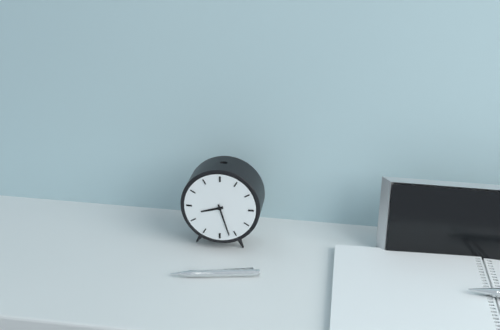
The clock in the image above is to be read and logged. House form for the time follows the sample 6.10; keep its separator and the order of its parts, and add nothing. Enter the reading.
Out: 8.27
